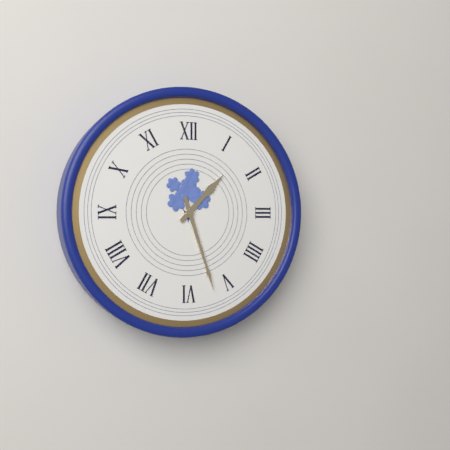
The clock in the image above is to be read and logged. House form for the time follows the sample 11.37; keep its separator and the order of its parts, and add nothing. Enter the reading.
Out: 1.27
